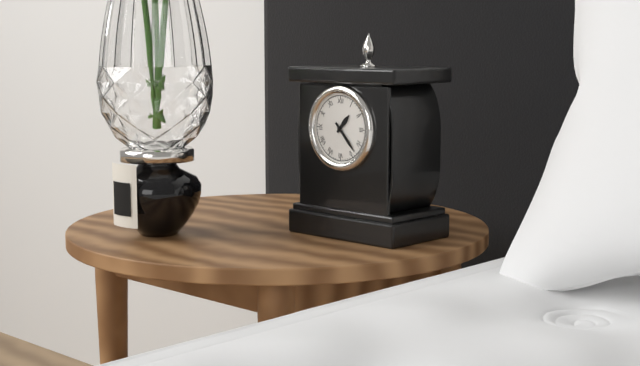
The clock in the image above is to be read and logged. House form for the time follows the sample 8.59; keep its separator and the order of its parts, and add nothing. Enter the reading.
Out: 1.23
